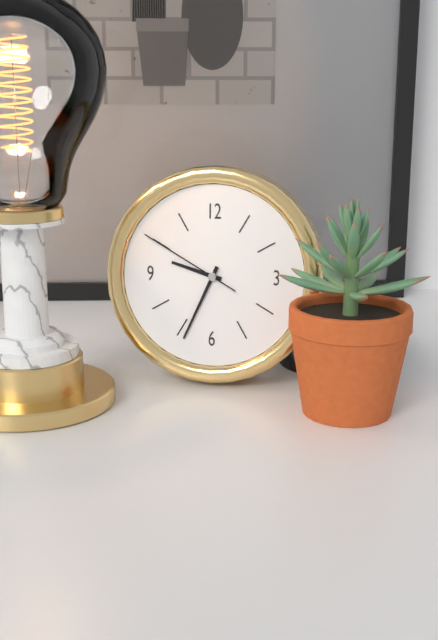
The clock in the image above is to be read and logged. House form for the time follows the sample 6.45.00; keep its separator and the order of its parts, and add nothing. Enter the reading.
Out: 9.34.50
